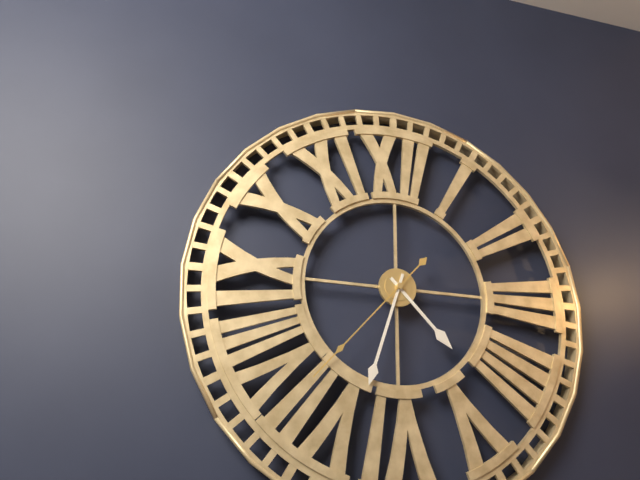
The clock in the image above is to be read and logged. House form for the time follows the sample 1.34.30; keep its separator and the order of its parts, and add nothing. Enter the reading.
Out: 4.33.37
